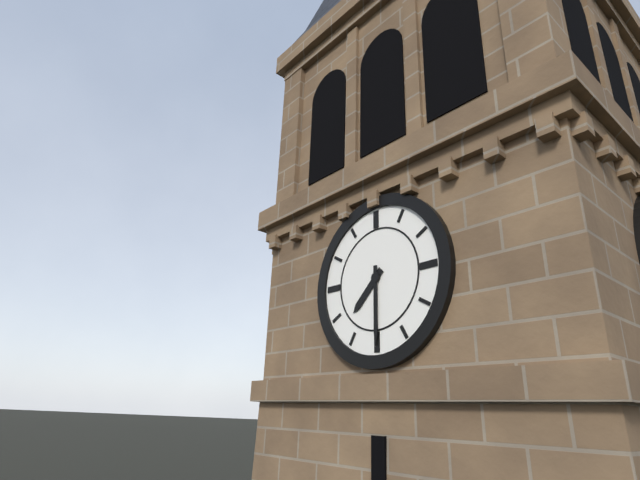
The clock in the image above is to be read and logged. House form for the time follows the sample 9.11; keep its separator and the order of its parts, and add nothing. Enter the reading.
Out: 7.30
